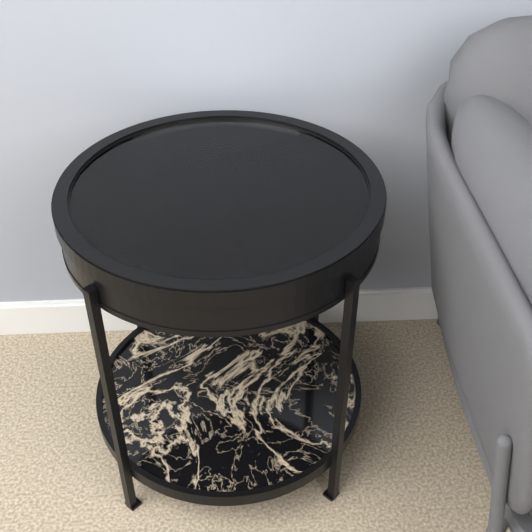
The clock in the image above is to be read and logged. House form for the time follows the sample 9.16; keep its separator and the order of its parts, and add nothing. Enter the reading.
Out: 11.35
